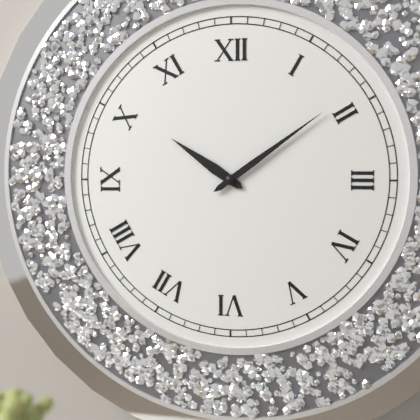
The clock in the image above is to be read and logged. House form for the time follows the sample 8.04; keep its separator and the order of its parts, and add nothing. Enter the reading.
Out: 10.09
